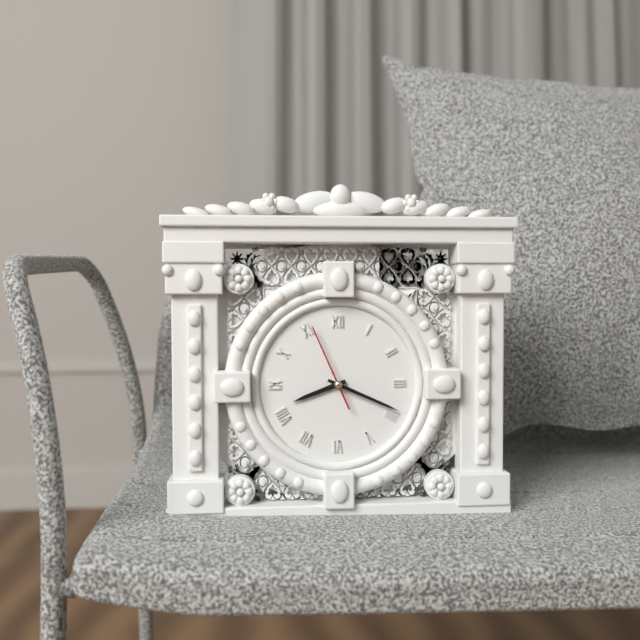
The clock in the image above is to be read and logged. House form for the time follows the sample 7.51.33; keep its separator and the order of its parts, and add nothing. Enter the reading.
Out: 8.19.56
